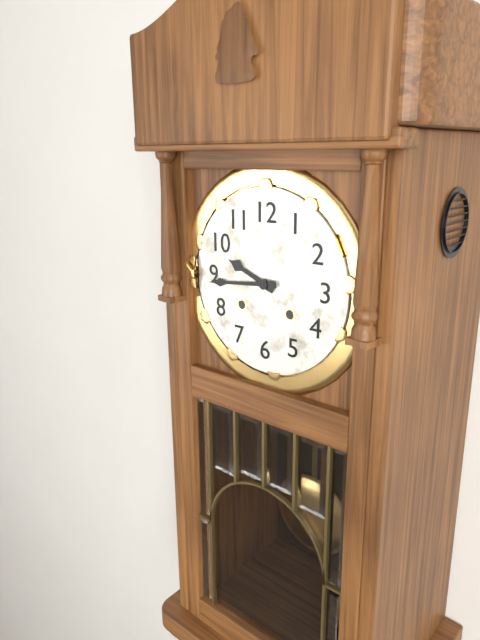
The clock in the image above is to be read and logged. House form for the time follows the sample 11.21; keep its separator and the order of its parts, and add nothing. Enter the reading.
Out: 9.44
